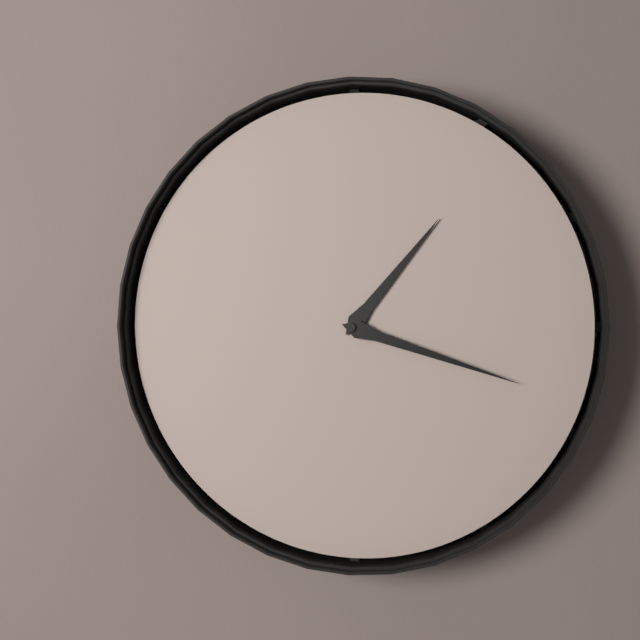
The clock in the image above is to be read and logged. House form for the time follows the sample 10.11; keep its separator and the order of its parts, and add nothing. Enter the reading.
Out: 1.18
